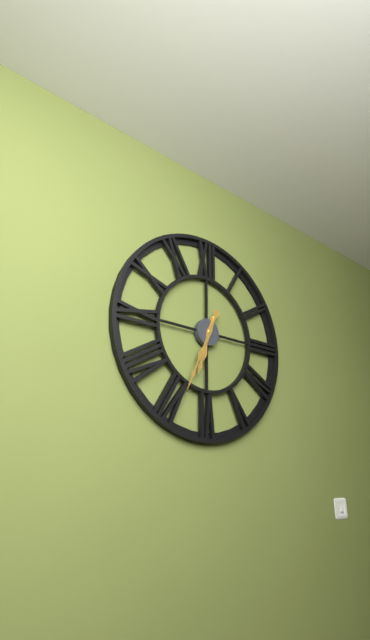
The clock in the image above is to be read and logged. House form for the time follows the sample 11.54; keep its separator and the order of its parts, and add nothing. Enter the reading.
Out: 6.34
